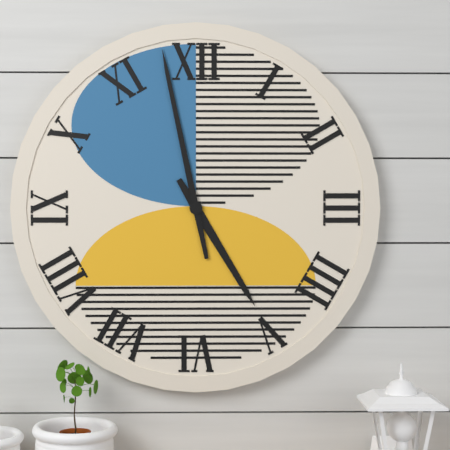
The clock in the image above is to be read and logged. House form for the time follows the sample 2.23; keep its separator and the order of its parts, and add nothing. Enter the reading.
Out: 4.58
